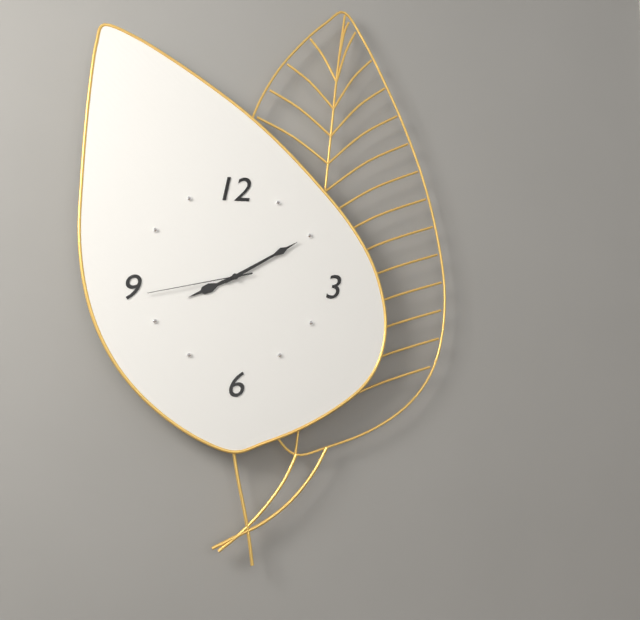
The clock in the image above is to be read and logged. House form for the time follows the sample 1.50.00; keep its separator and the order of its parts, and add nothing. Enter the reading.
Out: 8.10.43
